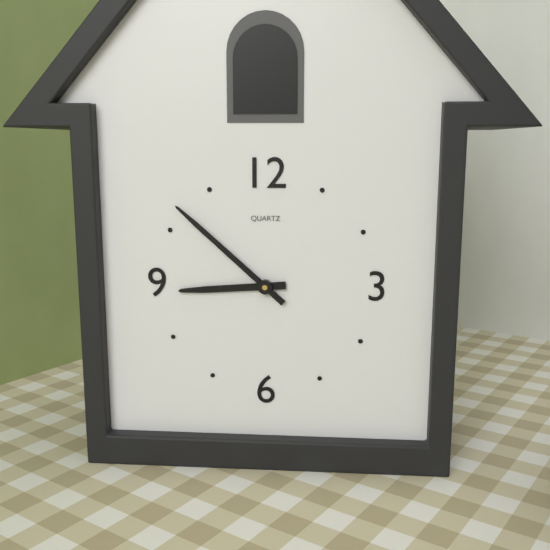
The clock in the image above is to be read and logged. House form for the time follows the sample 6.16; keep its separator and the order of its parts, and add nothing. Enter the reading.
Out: 8.52
